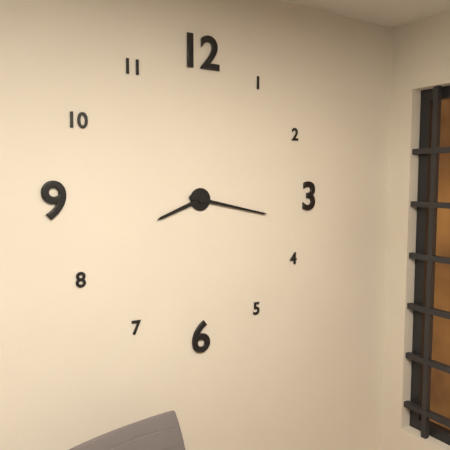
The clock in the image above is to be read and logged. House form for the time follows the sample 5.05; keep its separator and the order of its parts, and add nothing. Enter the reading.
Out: 8.17
